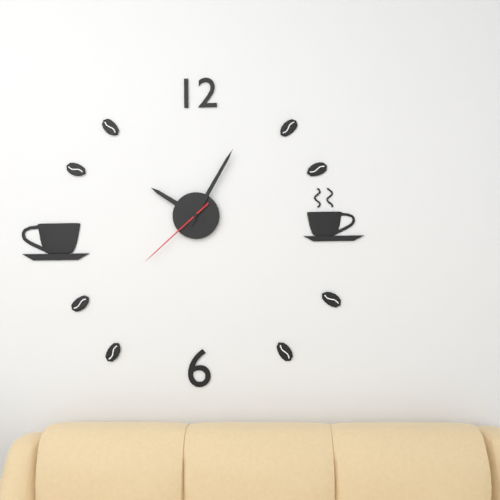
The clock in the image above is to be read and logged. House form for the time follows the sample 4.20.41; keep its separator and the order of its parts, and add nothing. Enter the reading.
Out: 10.05.38
